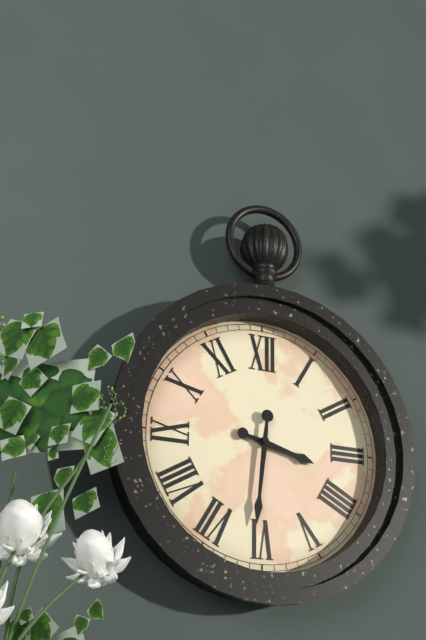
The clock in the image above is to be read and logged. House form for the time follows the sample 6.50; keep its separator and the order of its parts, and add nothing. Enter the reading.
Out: 3.31
